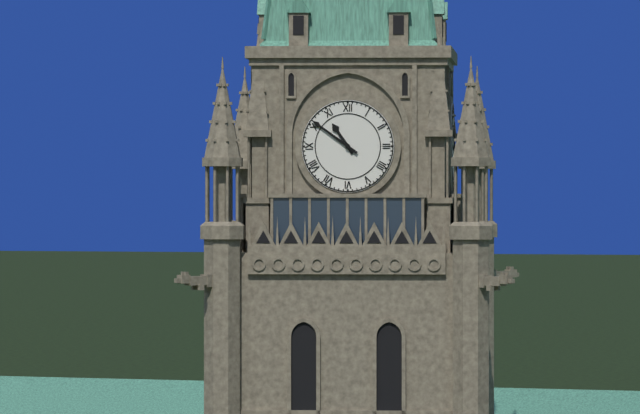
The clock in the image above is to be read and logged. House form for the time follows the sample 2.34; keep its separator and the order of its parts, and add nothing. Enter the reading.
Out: 10.51
